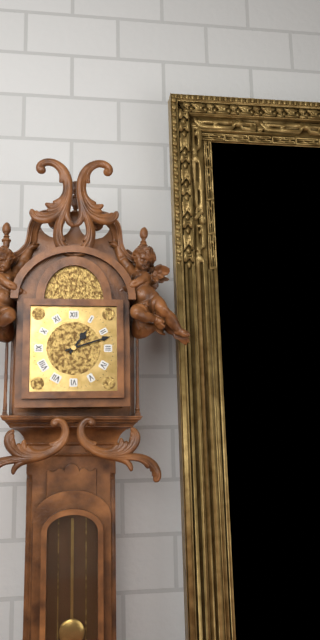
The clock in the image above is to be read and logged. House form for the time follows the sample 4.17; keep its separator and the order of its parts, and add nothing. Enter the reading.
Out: 1.12
